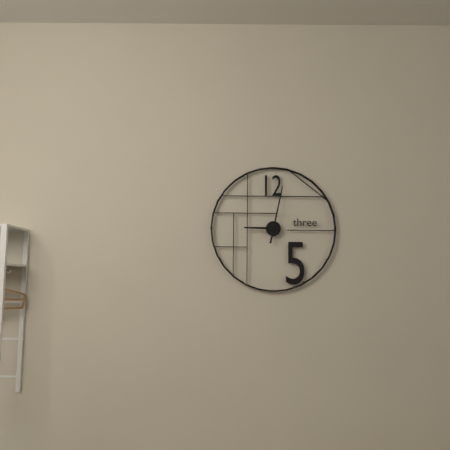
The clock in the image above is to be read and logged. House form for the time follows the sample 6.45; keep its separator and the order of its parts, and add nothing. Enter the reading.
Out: 9.02
